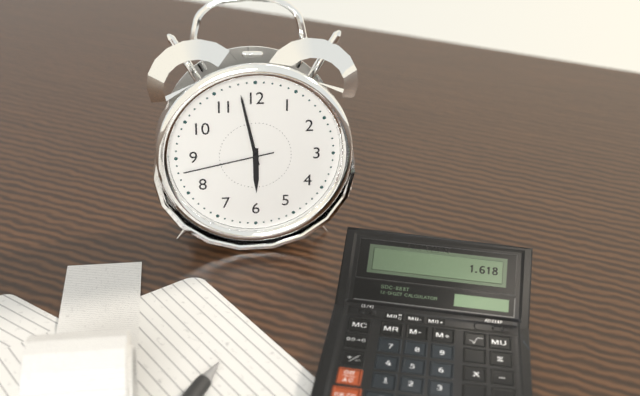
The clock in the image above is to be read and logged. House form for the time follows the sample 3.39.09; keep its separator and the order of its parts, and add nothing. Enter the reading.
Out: 5.58.43
